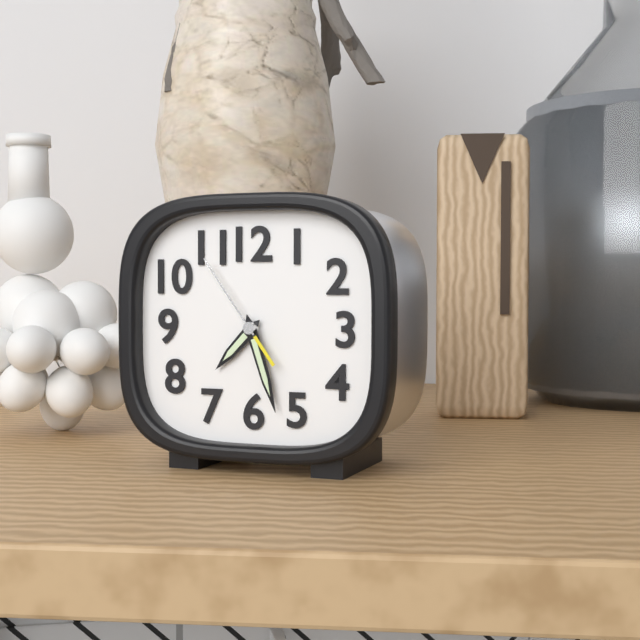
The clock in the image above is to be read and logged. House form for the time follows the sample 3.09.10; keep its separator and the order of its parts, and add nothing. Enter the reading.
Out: 7.27.54
